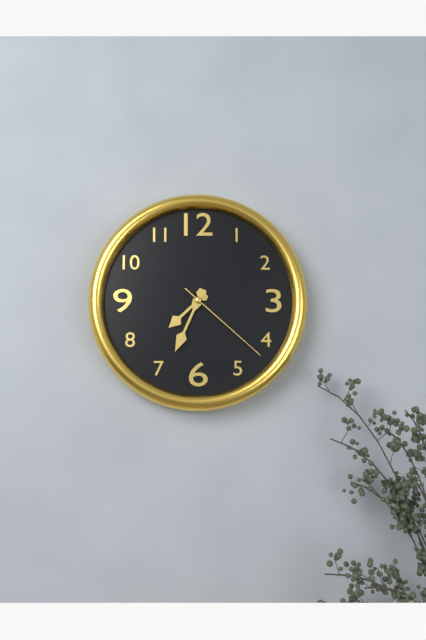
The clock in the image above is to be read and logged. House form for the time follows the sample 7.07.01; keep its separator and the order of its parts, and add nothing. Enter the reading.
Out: 7.34.22
